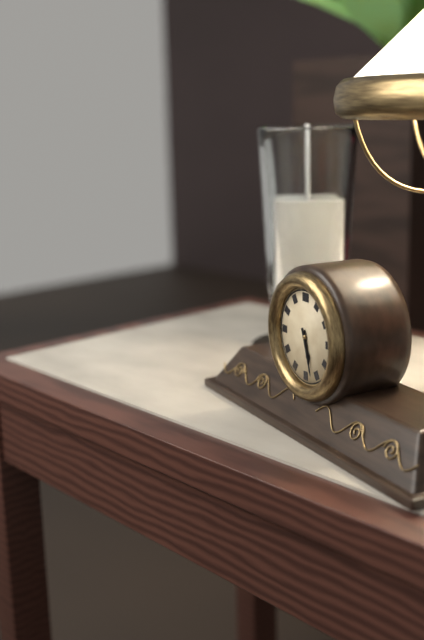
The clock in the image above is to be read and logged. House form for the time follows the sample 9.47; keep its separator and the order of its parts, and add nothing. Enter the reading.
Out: 5.27
